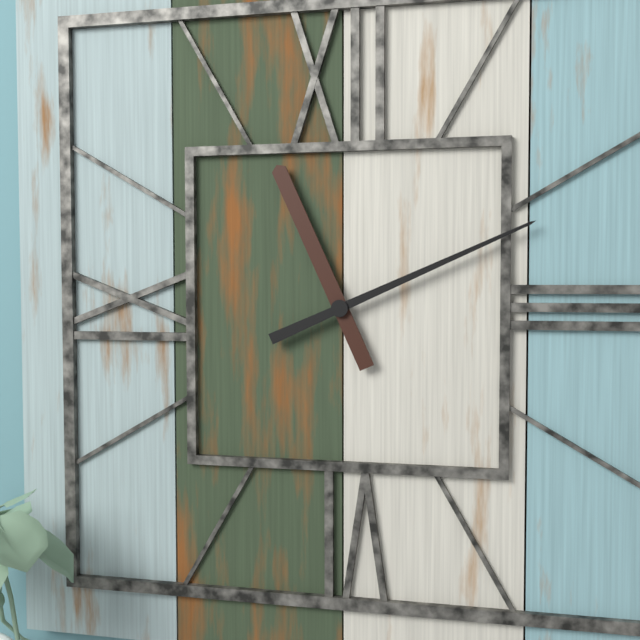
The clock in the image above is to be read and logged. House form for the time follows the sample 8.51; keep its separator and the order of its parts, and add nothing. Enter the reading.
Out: 11.11
